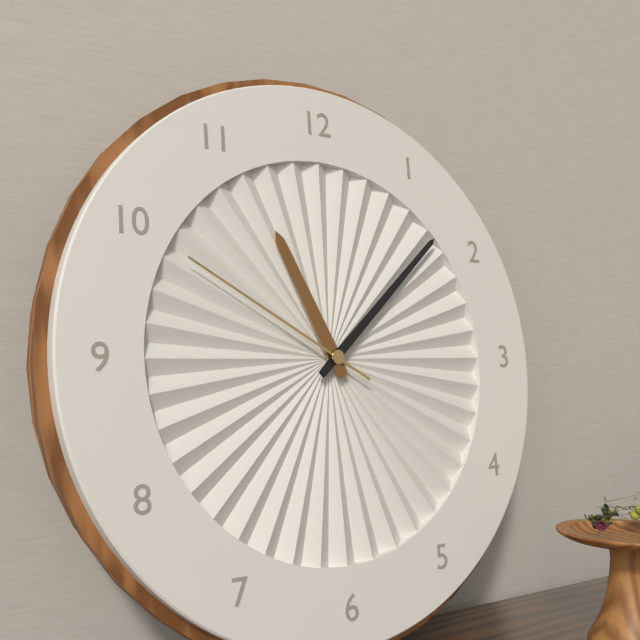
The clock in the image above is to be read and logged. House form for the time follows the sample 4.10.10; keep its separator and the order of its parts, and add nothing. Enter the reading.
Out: 11.08.50
